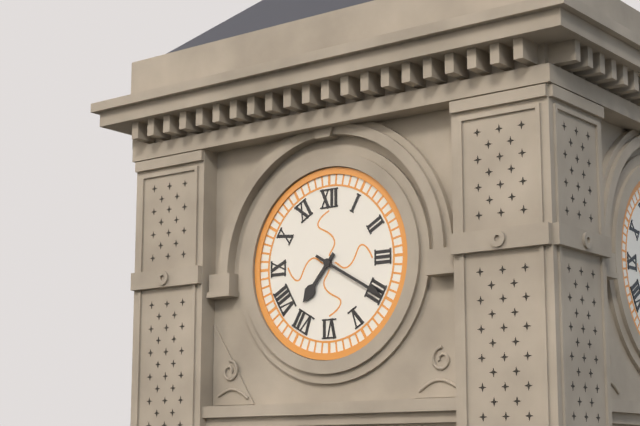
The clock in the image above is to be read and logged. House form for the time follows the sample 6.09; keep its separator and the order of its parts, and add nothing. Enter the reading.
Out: 7.20
